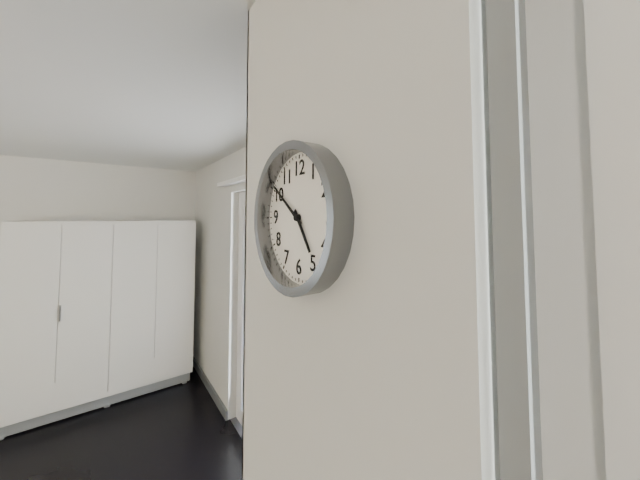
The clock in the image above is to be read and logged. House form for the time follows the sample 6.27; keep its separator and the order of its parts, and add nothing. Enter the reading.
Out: 4.51
